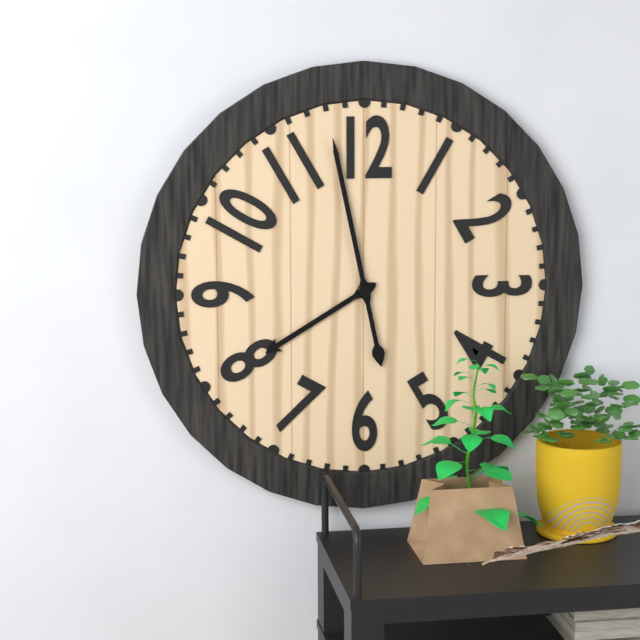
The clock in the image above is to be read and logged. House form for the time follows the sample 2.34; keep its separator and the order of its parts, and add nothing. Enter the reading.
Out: 7.58
